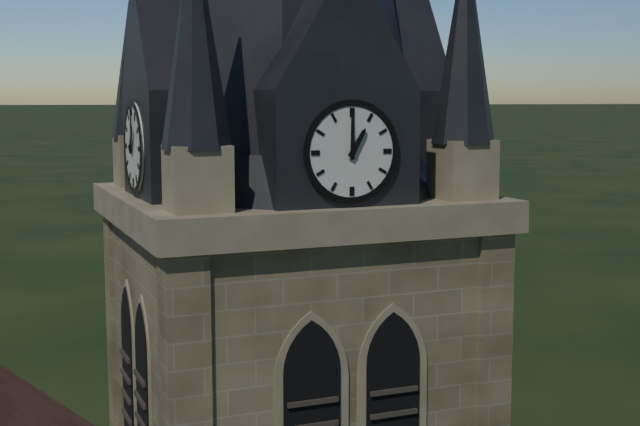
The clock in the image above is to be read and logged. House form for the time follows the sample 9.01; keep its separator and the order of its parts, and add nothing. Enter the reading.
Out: 1.00
